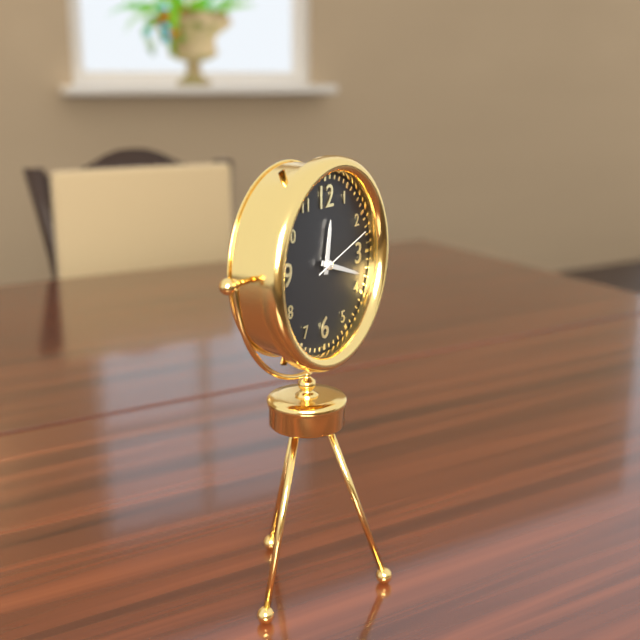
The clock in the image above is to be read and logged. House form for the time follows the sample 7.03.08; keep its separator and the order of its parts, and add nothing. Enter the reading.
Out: 12.18.12
